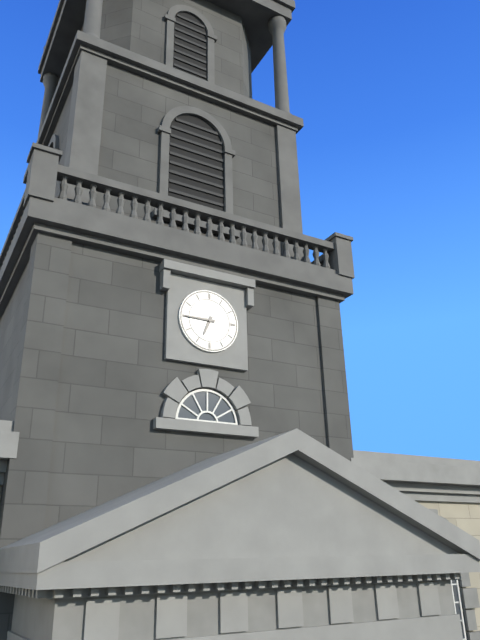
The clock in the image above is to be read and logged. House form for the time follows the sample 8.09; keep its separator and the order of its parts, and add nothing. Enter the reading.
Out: 6.45
